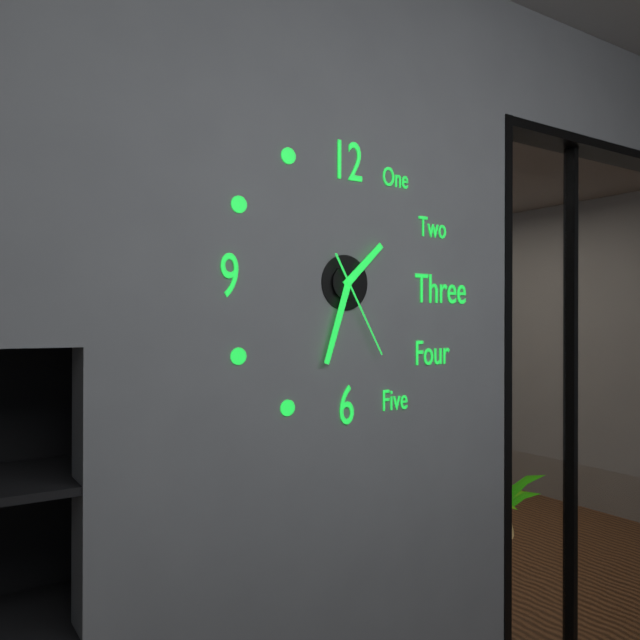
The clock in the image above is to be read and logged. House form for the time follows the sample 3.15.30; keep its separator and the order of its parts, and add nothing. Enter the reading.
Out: 1.33.25
